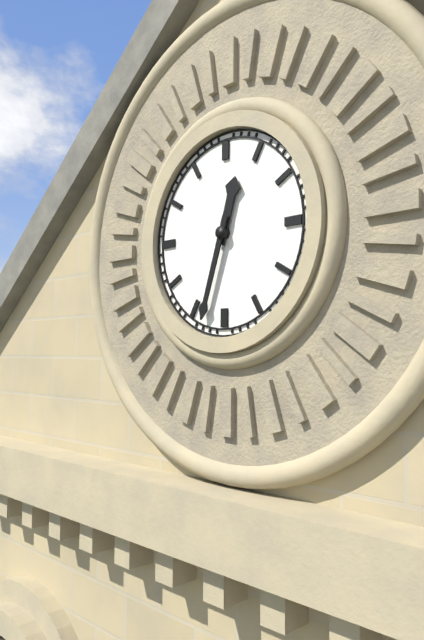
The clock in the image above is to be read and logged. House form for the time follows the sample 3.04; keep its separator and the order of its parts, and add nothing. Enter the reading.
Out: 12.33
